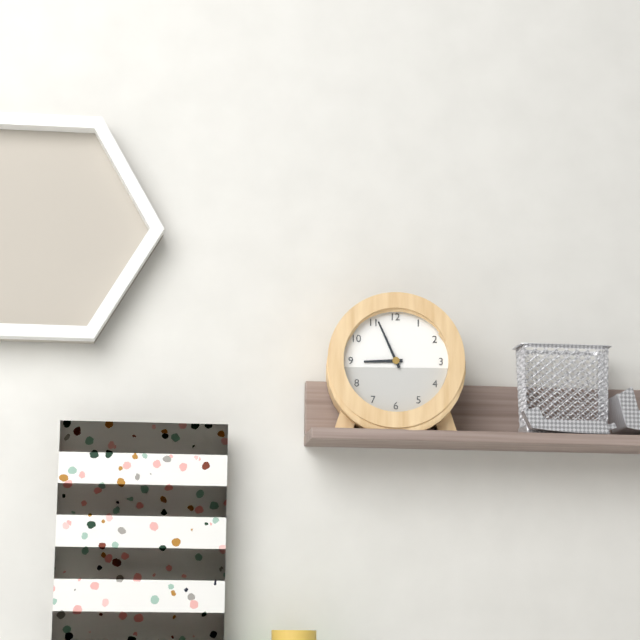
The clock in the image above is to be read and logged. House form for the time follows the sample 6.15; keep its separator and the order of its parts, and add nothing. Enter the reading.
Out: 8.56
